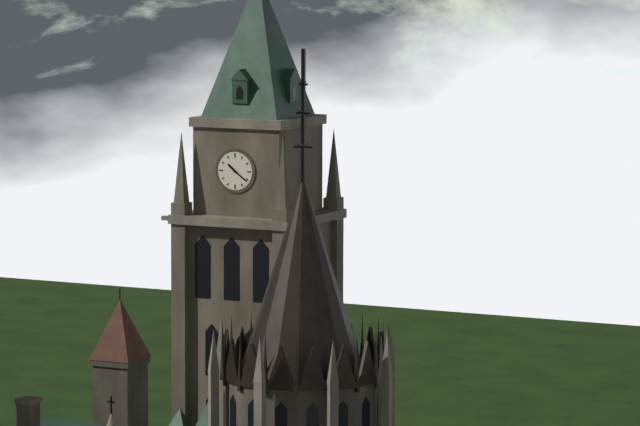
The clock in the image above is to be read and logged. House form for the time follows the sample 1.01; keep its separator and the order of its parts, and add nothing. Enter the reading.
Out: 10.21
